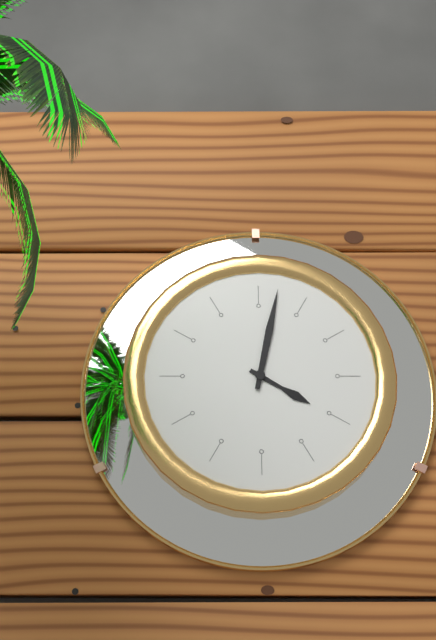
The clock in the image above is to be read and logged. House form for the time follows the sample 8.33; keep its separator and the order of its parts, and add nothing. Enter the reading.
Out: 4.02
